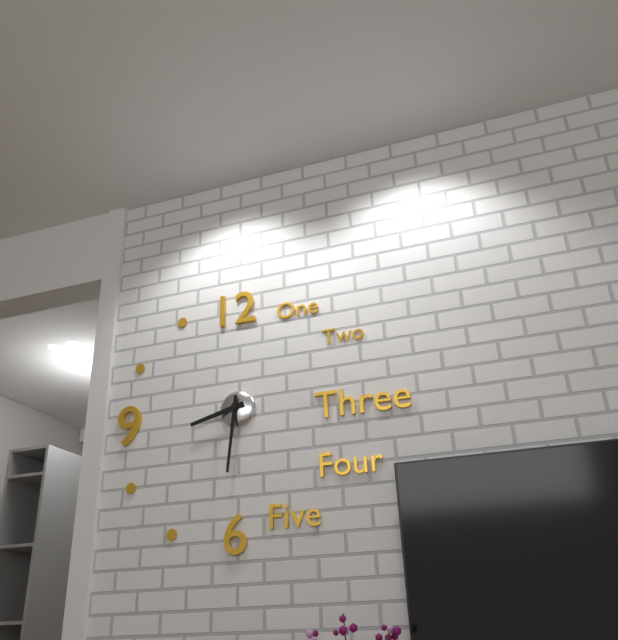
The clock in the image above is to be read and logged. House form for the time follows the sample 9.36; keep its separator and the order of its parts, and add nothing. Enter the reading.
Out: 8.31
